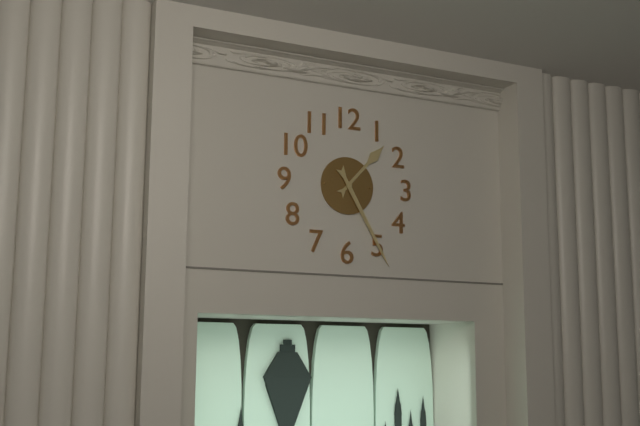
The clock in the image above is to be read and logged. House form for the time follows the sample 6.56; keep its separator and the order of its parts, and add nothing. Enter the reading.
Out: 1.25
